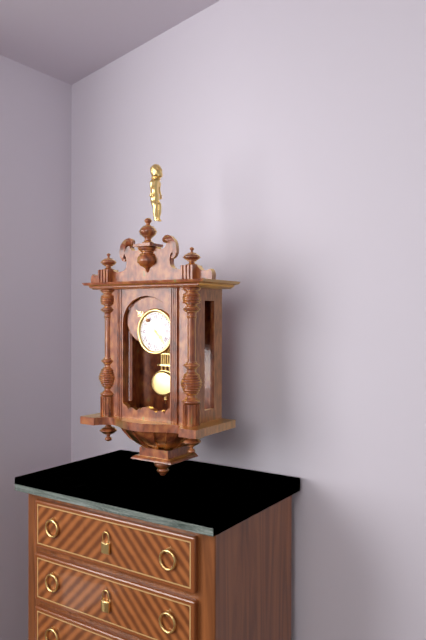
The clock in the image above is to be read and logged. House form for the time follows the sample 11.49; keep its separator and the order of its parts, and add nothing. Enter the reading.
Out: 4.23
